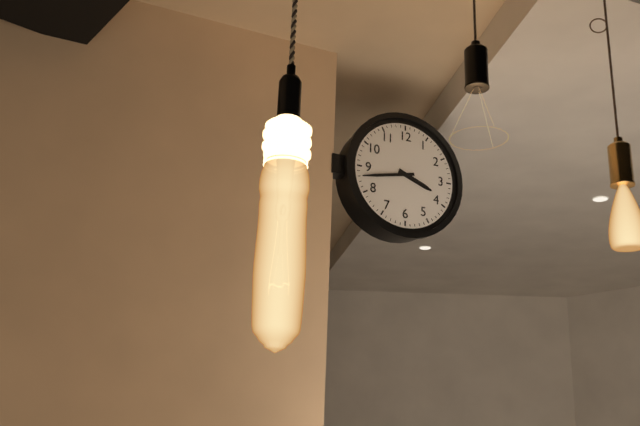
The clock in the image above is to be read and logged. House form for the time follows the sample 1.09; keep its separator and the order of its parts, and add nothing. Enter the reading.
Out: 3.43
